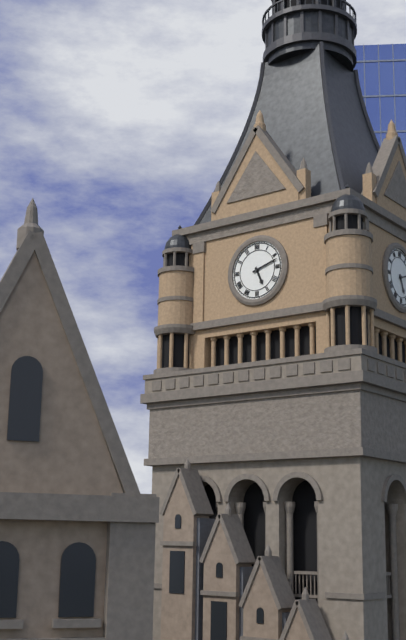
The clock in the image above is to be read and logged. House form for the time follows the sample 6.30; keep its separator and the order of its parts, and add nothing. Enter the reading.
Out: 5.12
